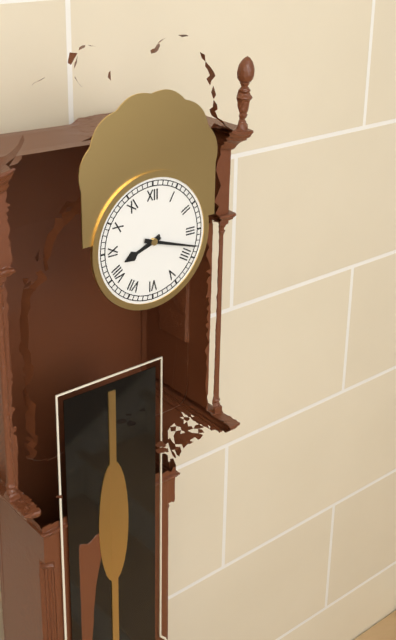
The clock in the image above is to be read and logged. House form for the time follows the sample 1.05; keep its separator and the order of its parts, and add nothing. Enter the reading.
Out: 8.18
